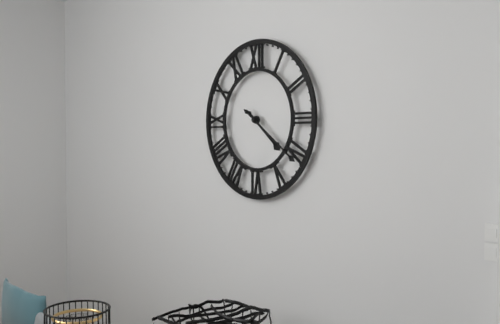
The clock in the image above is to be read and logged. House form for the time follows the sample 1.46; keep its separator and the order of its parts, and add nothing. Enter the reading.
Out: 4.21
